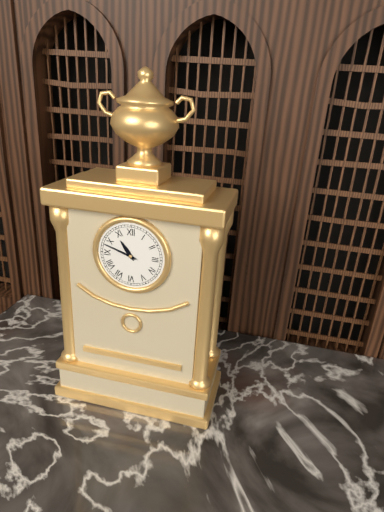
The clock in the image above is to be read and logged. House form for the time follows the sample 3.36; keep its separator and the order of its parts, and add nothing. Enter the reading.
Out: 10.48
